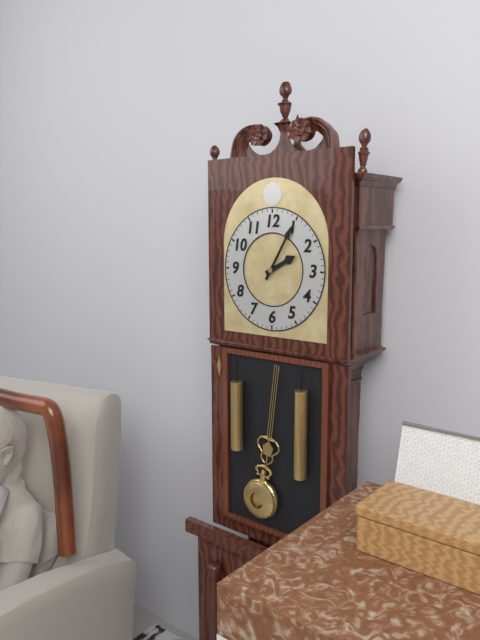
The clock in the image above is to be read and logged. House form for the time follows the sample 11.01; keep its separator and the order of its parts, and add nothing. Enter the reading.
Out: 2.05
